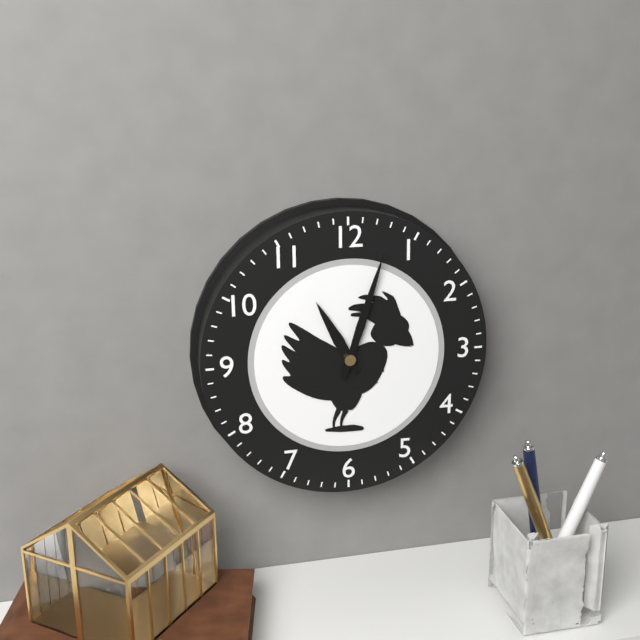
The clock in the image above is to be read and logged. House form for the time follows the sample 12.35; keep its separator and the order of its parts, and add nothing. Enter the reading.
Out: 11.03
